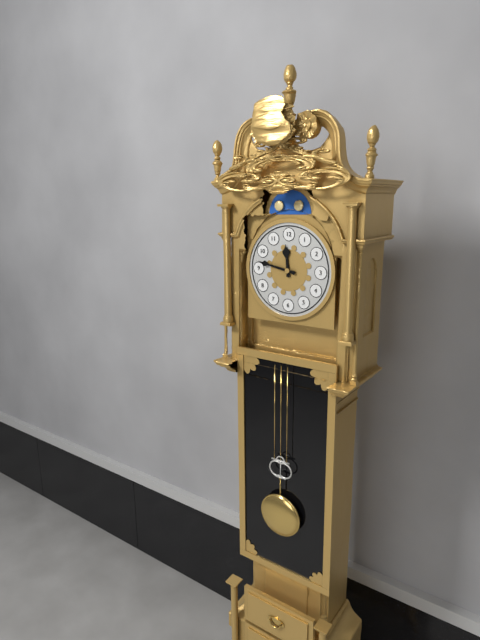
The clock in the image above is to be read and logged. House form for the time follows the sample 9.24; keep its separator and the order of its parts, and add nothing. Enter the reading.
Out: 11.47
